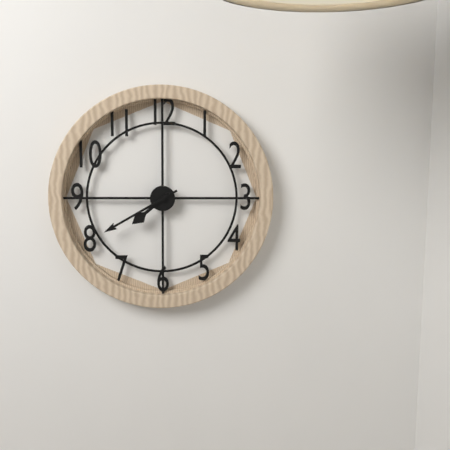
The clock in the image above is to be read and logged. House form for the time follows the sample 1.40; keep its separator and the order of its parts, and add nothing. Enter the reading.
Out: 7.40
